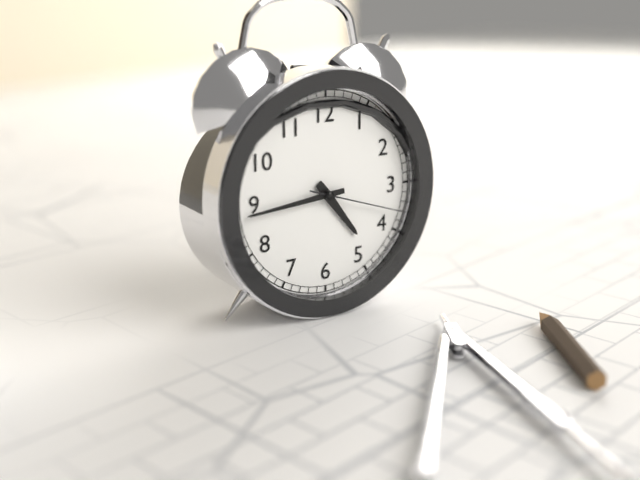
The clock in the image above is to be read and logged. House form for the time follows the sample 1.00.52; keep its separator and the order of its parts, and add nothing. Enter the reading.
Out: 4.44.18
